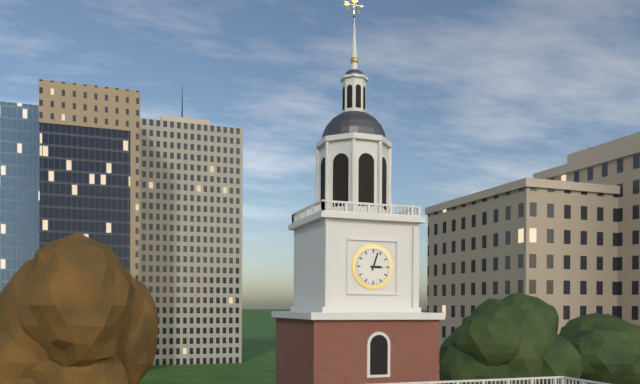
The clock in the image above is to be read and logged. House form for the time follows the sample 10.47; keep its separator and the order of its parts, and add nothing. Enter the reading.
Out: 3.03
